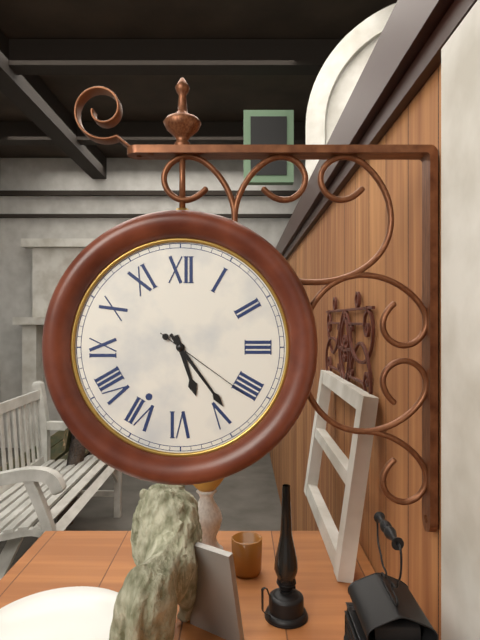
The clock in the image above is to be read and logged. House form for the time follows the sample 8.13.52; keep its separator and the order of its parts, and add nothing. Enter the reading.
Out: 5.24.21
